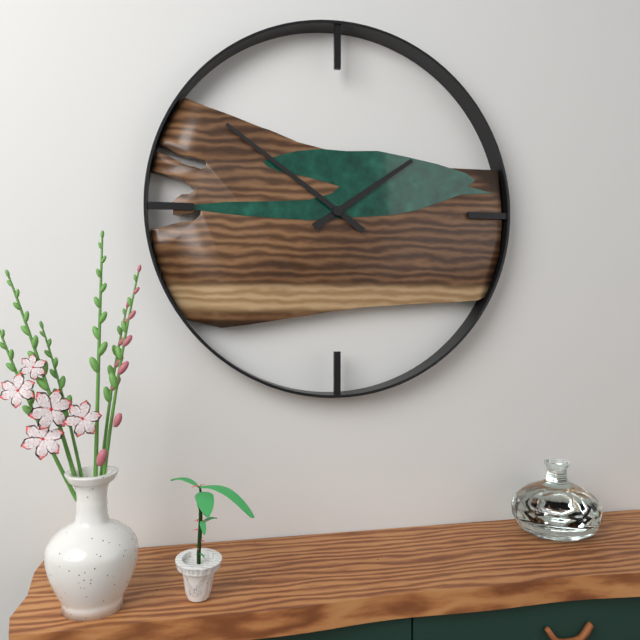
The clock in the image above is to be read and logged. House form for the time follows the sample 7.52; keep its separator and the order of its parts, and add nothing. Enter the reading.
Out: 1.51
